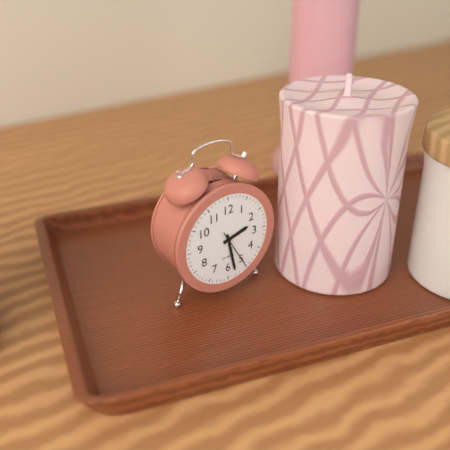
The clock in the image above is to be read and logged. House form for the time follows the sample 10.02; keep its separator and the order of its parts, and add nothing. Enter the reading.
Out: 2.28
